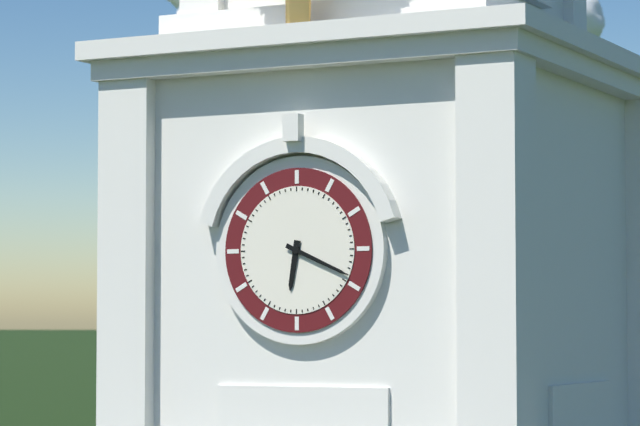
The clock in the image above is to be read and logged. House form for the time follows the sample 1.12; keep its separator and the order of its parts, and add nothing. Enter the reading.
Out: 6.19
